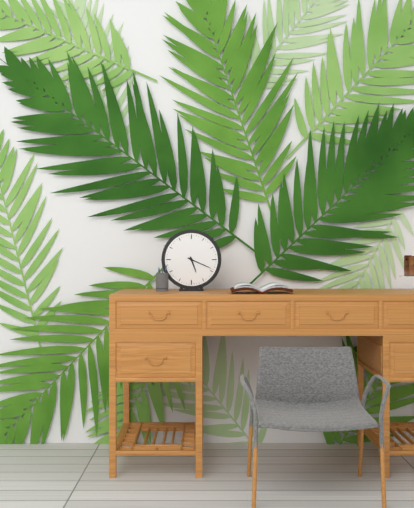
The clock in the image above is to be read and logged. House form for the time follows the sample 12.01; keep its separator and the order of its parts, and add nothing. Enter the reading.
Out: 5.19
